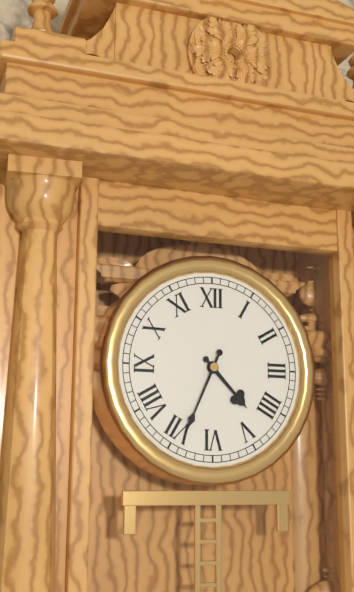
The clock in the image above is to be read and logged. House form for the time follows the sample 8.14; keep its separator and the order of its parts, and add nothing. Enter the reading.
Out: 4.34
